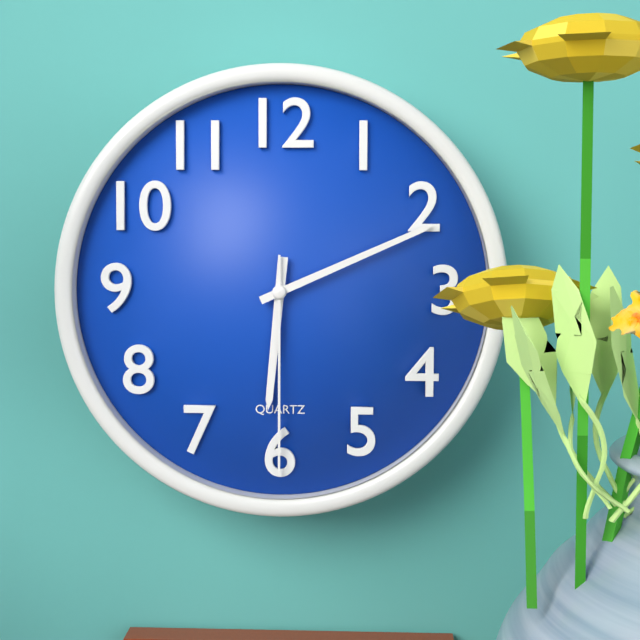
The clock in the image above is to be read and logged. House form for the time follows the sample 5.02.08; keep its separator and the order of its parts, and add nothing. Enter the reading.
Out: 6.11.30
